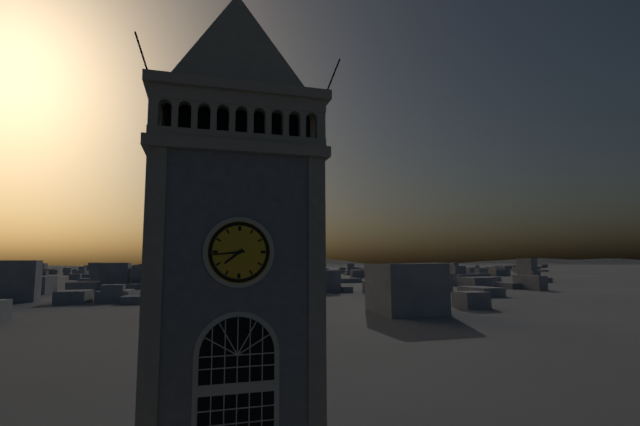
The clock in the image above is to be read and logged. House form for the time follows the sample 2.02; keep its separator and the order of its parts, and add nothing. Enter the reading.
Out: 7.44
